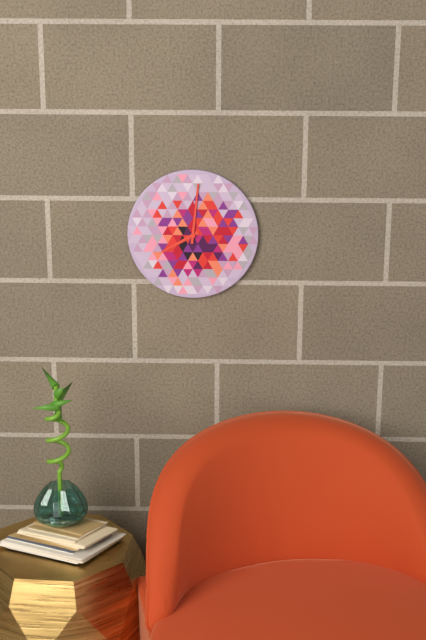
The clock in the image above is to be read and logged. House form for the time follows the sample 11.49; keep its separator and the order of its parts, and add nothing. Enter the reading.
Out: 8.01
